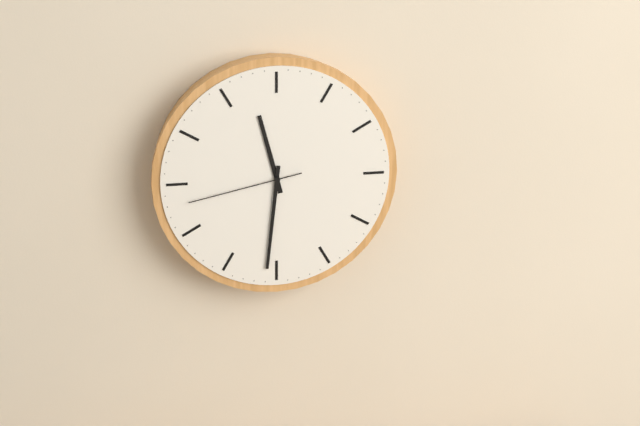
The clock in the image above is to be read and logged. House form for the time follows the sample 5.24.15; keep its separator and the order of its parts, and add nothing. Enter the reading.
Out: 11.31.43
